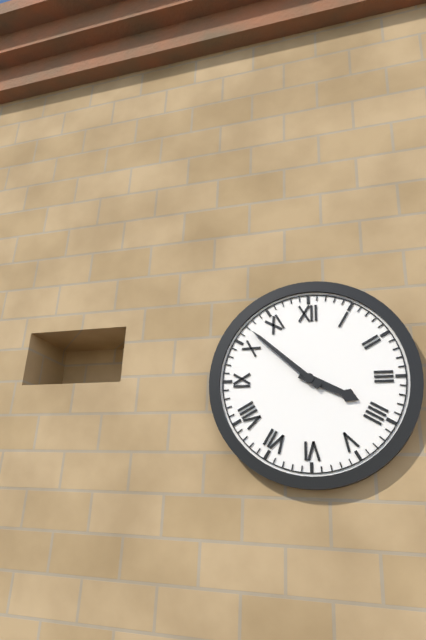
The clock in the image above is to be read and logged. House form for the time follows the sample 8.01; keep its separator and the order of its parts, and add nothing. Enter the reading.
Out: 3.52
